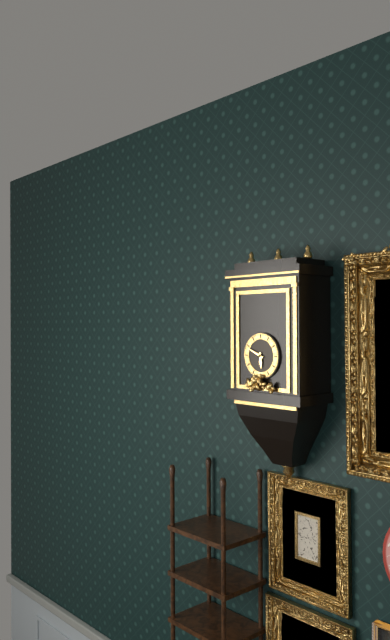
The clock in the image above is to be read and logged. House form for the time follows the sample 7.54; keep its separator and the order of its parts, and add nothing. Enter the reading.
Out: 5.49
